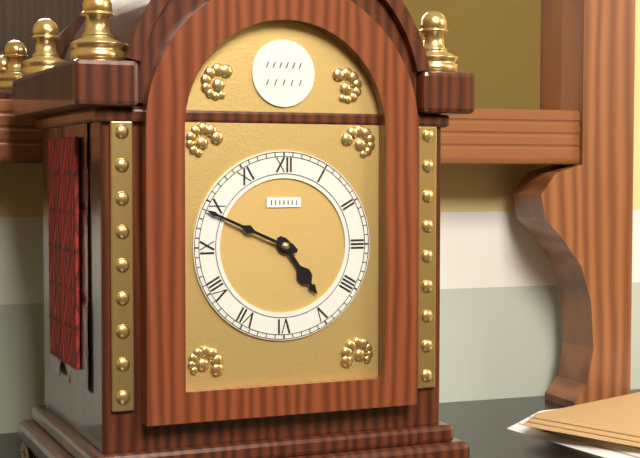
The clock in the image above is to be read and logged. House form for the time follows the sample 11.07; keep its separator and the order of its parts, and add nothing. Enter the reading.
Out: 4.49
